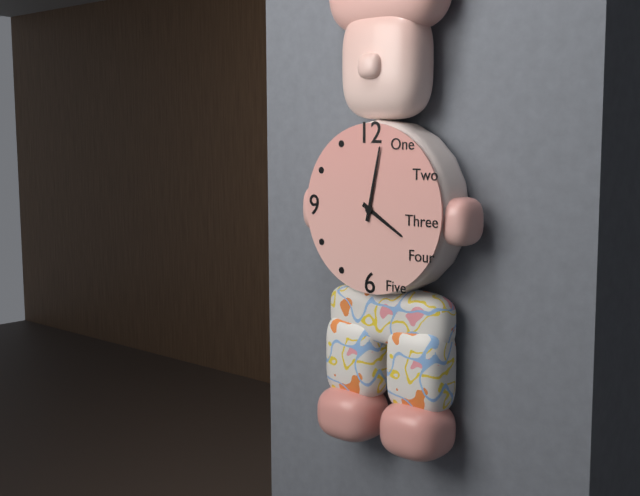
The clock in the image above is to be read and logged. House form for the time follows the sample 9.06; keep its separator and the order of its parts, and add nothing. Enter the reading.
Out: 4.02
